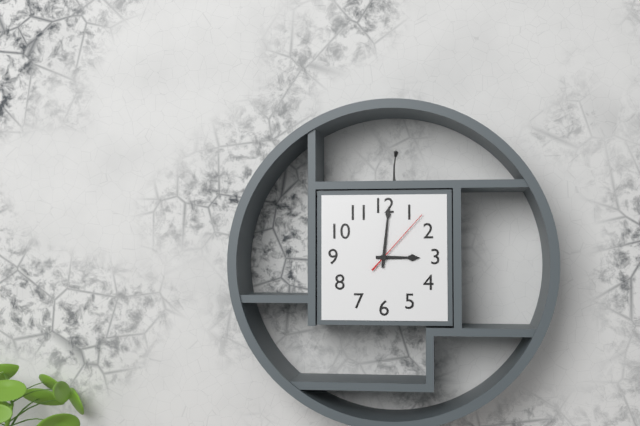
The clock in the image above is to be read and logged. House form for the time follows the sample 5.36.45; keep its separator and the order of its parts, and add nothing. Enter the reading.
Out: 3.01.07
